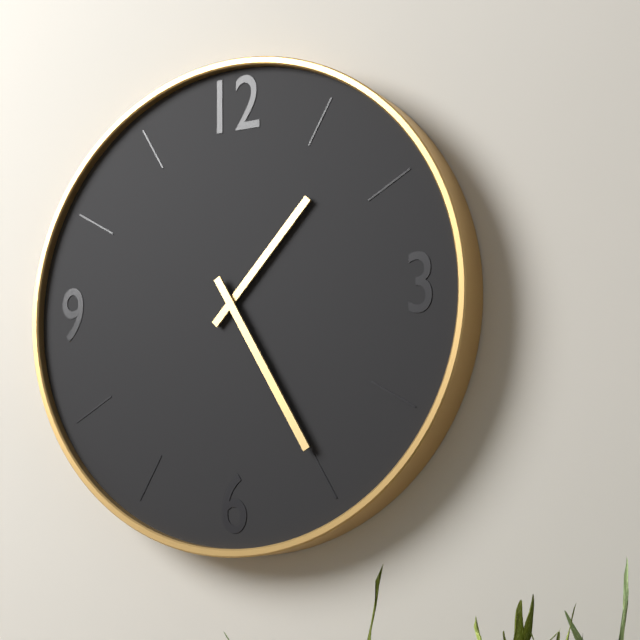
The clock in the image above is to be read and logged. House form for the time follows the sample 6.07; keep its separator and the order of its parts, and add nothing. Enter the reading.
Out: 1.25
